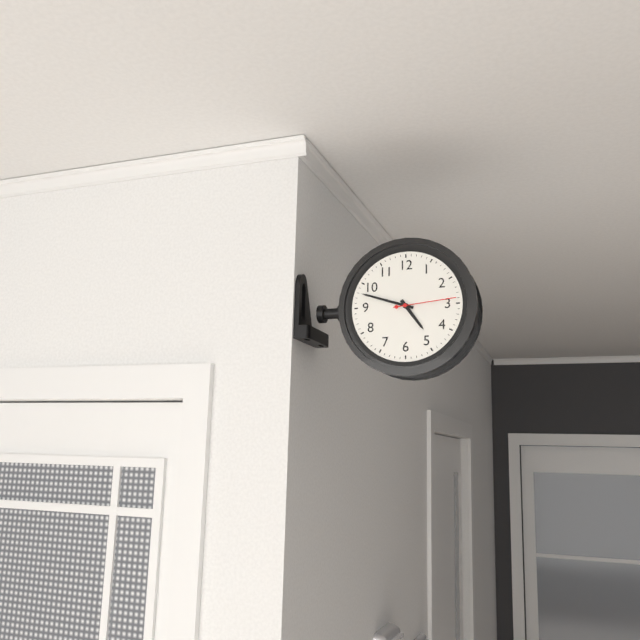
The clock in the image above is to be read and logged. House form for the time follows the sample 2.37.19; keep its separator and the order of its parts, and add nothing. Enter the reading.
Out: 4.48.14
